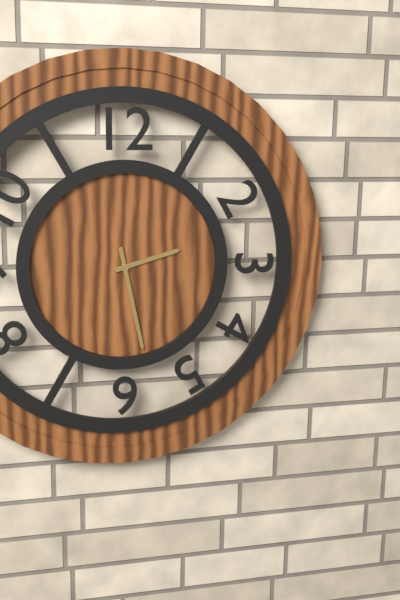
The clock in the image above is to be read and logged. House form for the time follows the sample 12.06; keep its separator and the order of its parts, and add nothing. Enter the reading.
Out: 2.28
